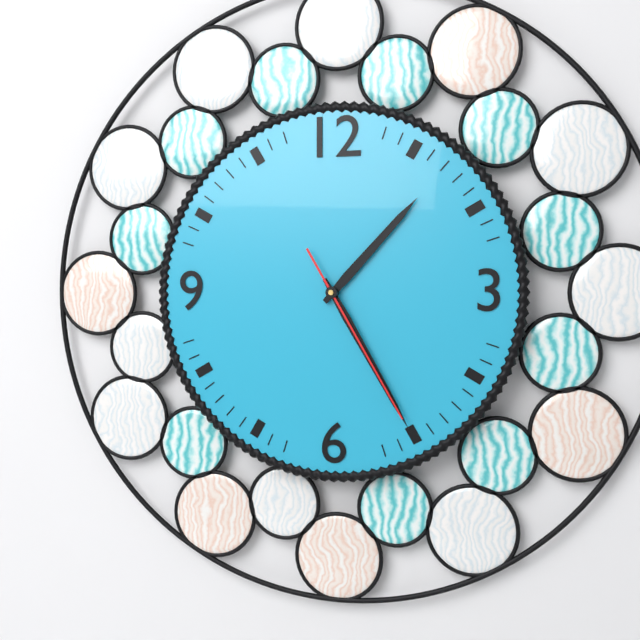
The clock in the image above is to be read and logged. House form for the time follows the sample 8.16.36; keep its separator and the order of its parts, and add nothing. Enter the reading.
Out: 1.25.25
